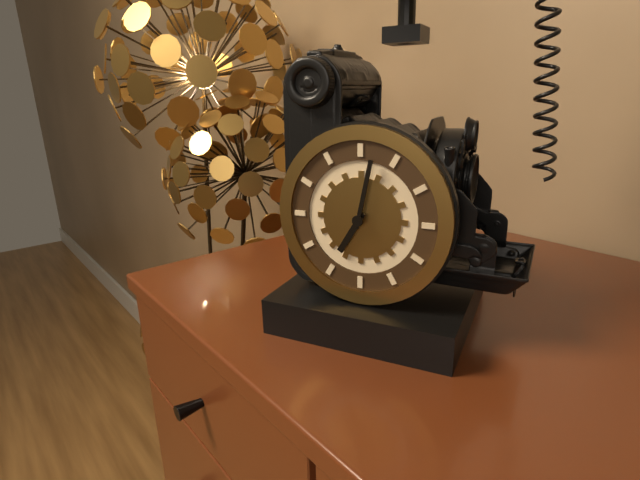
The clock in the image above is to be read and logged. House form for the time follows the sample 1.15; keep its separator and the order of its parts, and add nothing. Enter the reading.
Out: 7.02
